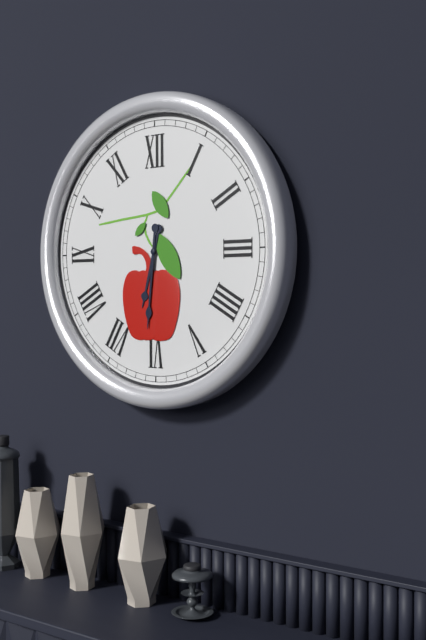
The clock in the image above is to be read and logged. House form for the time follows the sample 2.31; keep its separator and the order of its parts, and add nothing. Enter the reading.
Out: 6.31
